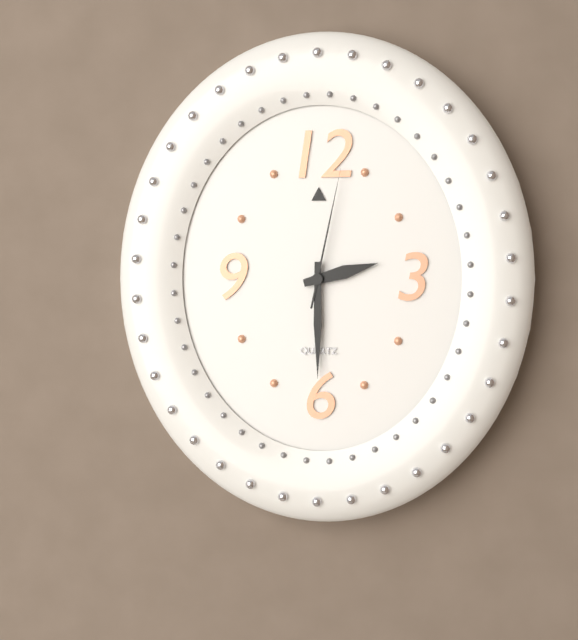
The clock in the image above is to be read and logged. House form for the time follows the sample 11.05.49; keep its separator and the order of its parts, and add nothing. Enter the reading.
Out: 2.30.02
